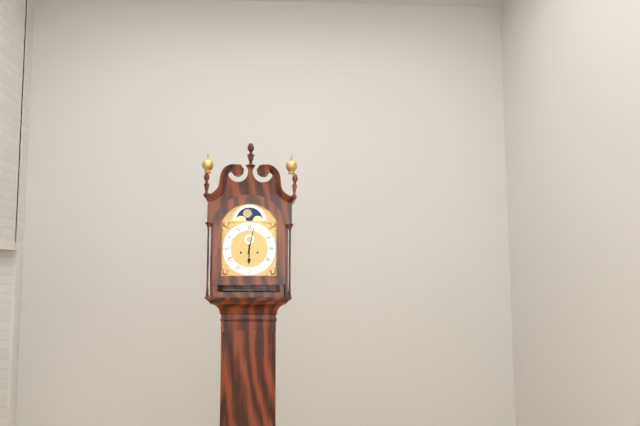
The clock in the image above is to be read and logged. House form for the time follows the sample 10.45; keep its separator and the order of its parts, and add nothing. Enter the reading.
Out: 6.02
